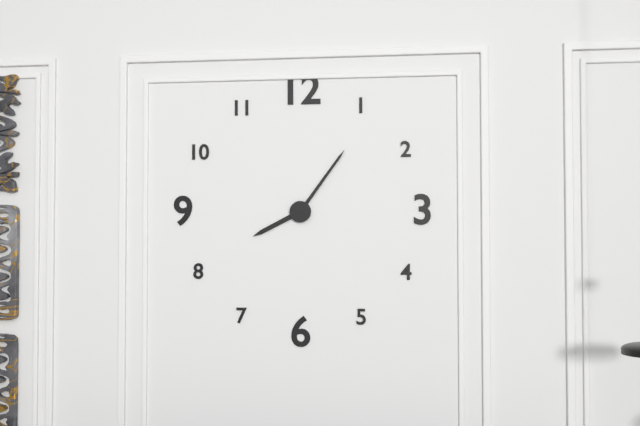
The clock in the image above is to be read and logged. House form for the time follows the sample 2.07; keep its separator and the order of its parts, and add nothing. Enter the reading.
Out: 8.06
